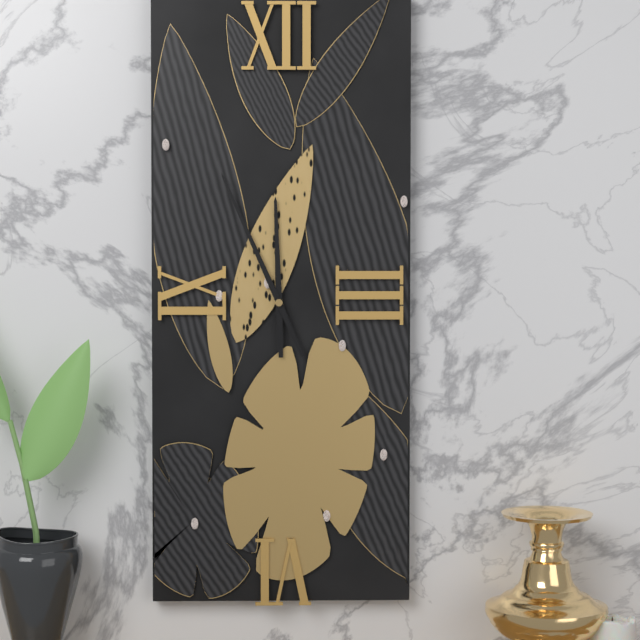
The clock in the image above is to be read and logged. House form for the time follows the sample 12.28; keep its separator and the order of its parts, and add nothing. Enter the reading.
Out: 11.56
